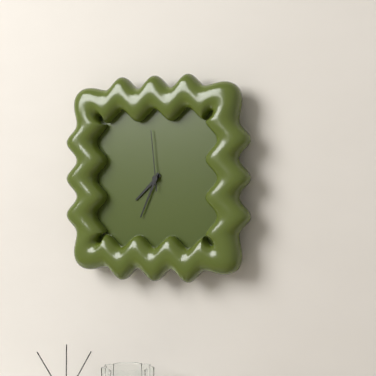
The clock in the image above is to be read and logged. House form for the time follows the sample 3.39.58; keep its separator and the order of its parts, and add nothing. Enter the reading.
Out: 7.34.59
